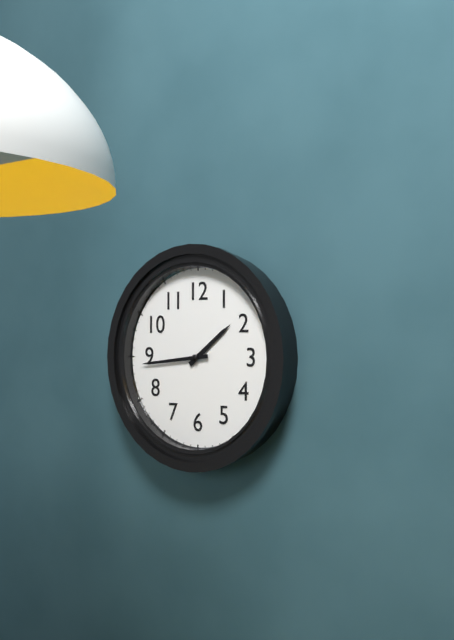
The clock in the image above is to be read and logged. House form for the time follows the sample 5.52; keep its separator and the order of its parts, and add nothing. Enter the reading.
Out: 1.44
